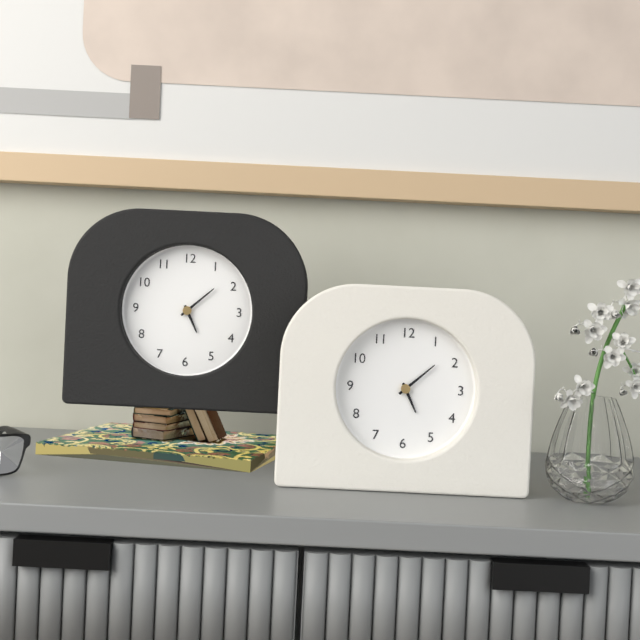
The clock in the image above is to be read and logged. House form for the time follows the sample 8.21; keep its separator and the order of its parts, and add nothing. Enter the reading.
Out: 5.08
